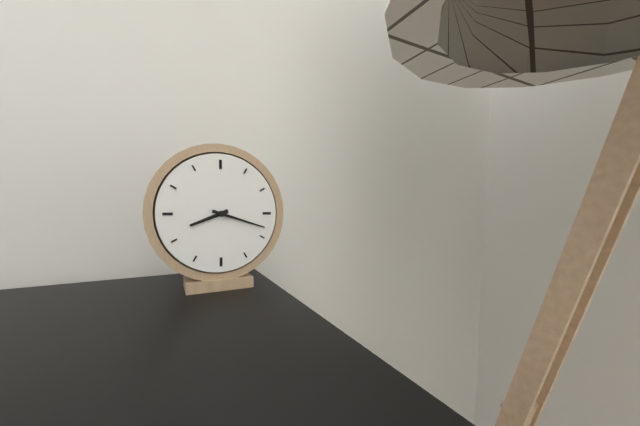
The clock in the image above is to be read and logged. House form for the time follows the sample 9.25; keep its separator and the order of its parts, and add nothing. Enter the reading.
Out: 8.18
